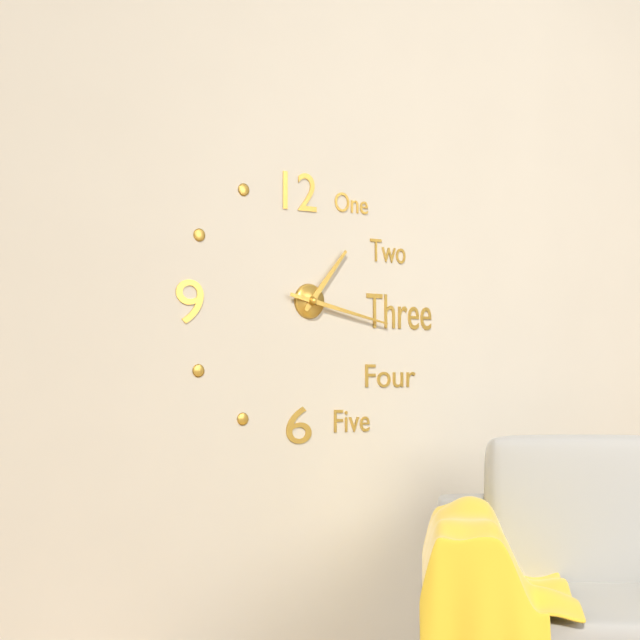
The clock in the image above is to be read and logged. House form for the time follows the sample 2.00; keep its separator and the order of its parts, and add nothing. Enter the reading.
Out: 1.17
